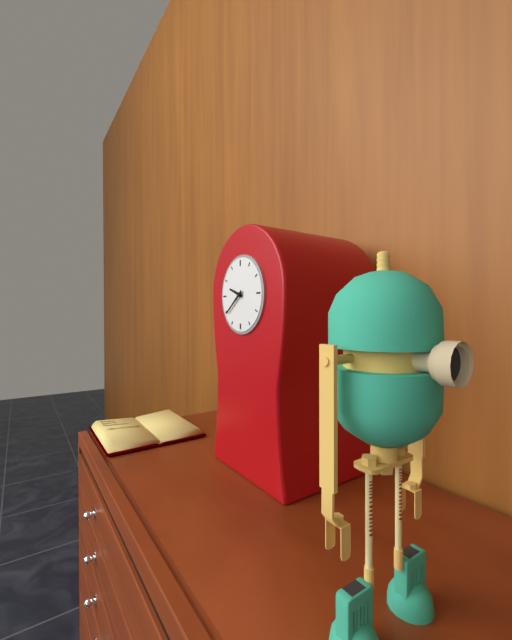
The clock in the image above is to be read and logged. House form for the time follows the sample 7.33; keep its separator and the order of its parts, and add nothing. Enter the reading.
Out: 9.39
